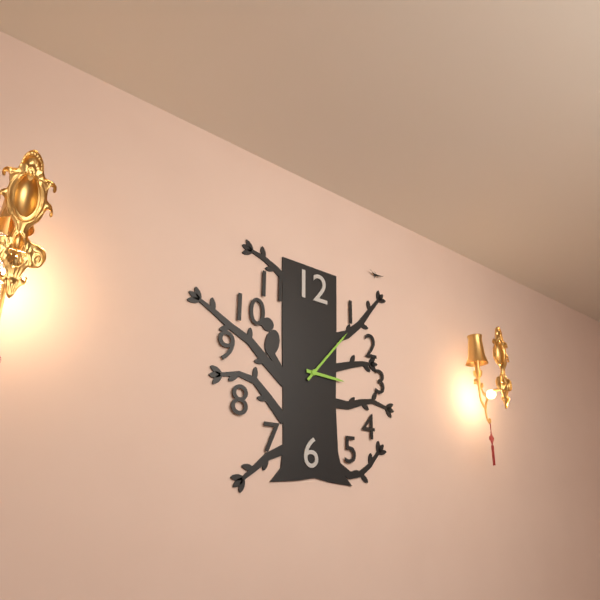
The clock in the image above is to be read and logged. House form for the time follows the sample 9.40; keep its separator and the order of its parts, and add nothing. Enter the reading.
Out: 3.07
